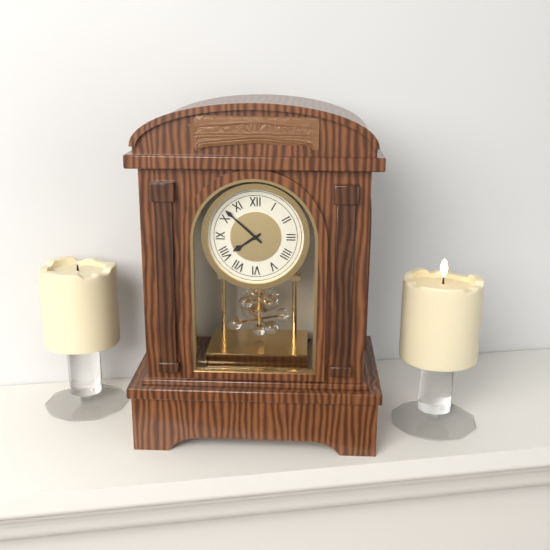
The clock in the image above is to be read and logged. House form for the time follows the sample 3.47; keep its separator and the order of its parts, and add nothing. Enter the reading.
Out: 7.52
